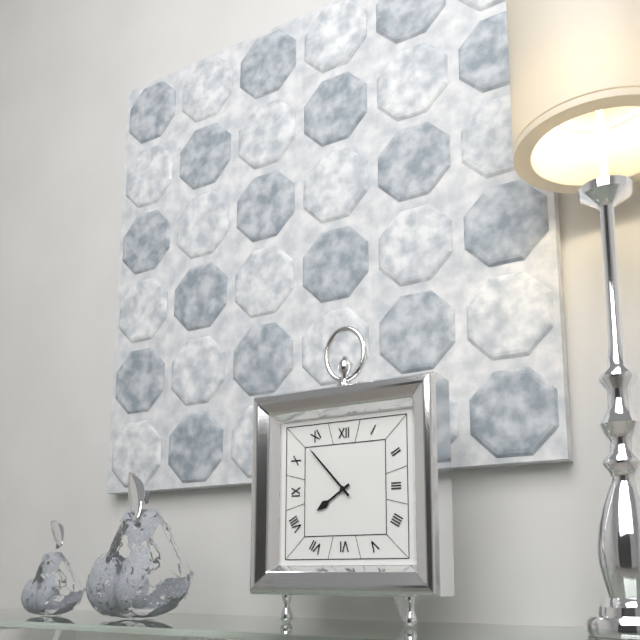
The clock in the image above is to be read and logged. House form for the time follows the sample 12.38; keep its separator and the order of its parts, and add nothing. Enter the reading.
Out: 7.53
